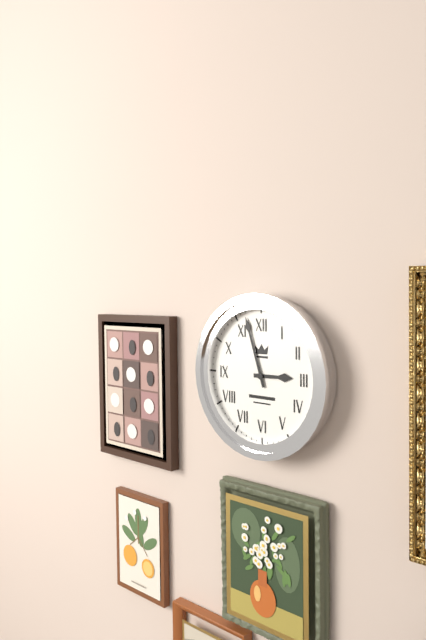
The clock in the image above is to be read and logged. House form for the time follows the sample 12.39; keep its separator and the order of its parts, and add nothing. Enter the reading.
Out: 2.57
